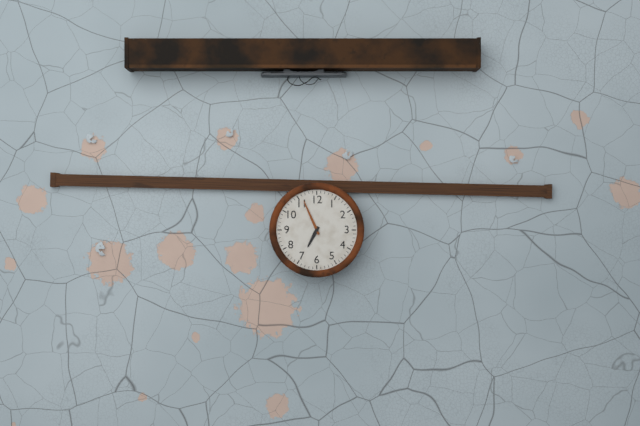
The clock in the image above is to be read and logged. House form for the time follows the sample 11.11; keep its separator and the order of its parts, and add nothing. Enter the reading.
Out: 6.56
